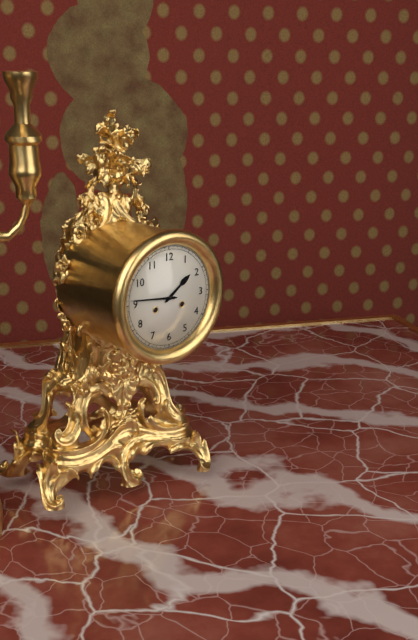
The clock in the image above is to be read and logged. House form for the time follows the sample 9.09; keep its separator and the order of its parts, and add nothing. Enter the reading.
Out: 1.46
